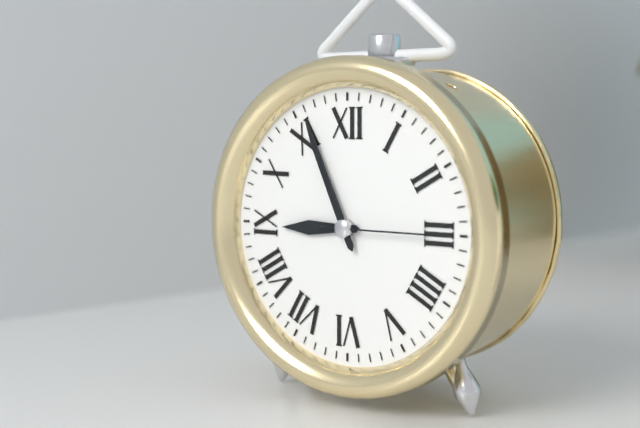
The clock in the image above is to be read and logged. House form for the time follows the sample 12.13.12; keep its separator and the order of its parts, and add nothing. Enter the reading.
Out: 8.56.15
